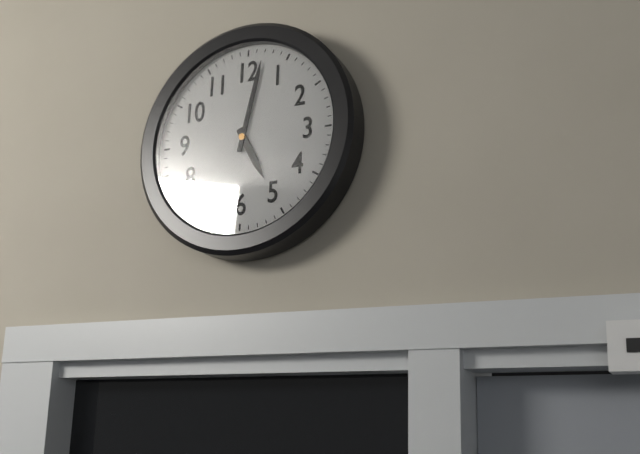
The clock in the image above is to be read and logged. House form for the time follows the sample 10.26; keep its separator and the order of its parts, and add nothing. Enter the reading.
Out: 5.02
